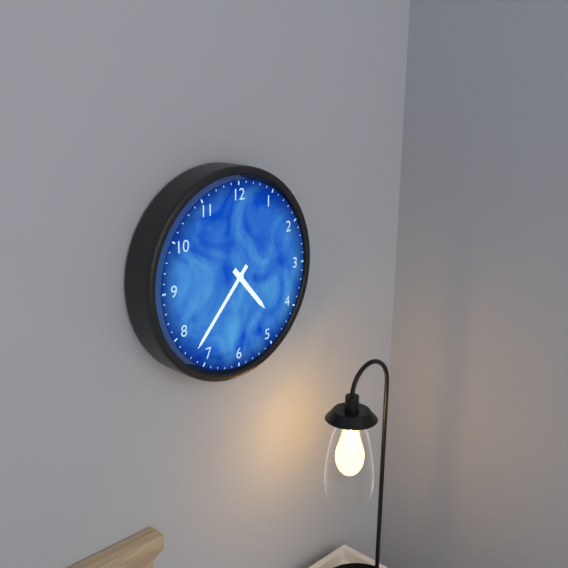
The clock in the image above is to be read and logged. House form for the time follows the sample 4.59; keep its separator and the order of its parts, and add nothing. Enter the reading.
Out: 4.37
